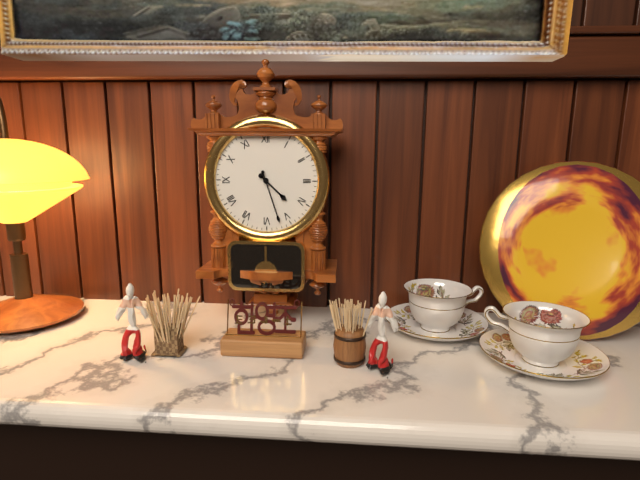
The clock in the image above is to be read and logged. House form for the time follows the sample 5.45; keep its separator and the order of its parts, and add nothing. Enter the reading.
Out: 4.27
